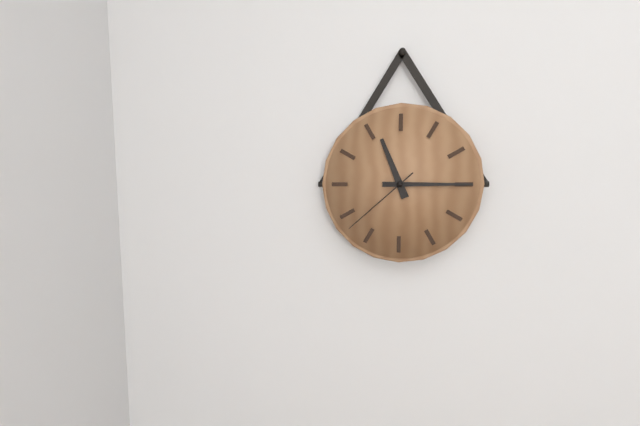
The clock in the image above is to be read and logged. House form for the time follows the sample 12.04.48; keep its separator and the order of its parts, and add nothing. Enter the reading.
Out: 11.15.38
